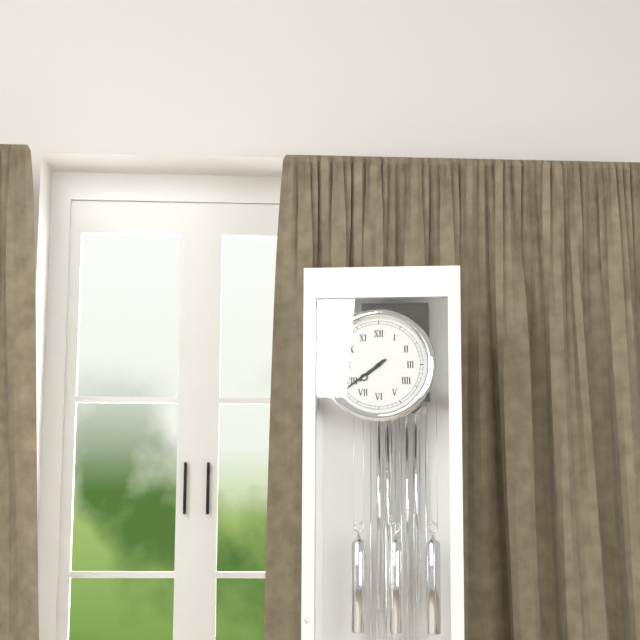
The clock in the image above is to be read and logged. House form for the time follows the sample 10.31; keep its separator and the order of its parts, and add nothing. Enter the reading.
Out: 7.39
